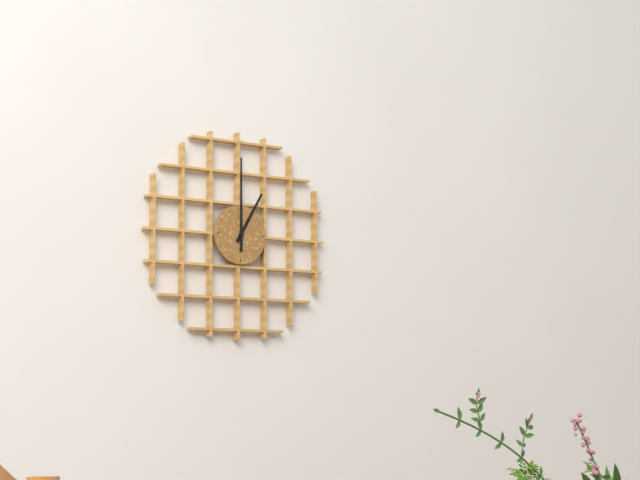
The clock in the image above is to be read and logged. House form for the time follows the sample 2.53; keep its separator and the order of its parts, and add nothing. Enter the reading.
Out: 1.00
